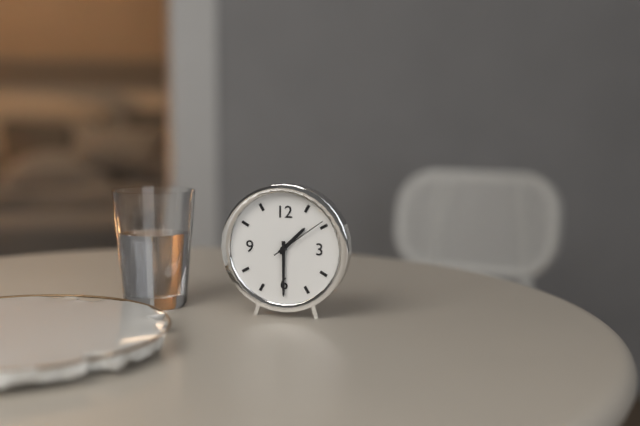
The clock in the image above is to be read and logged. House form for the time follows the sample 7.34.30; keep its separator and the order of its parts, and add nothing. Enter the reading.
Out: 1.30.09
